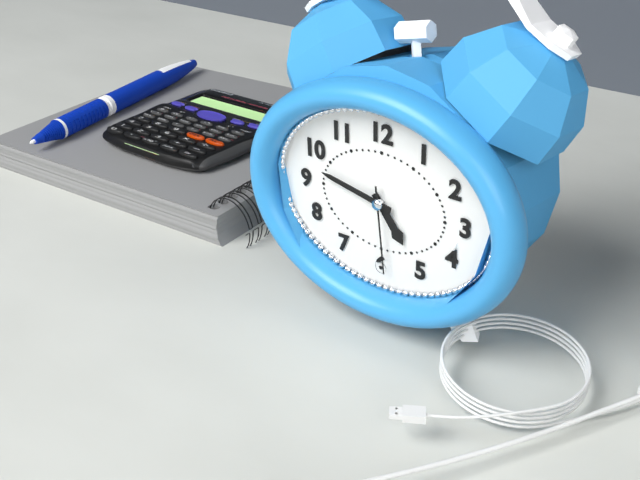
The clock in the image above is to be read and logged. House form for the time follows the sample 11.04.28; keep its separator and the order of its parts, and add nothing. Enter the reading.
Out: 4.47.29
